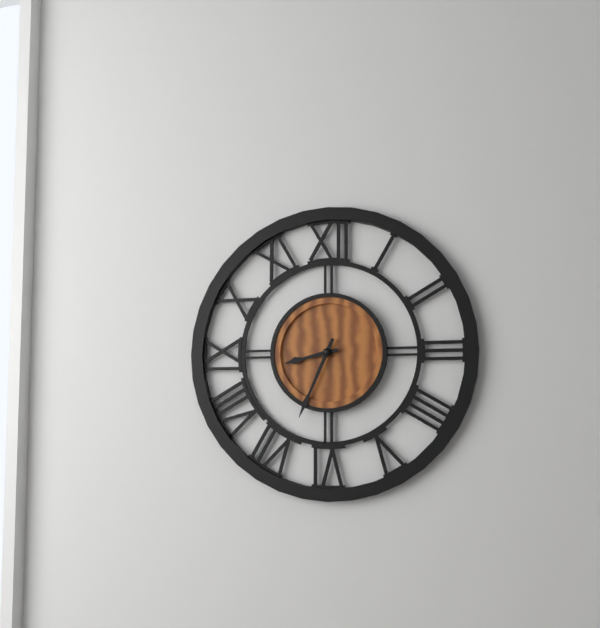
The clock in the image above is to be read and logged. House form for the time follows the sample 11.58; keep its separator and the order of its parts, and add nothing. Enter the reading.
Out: 8.34
